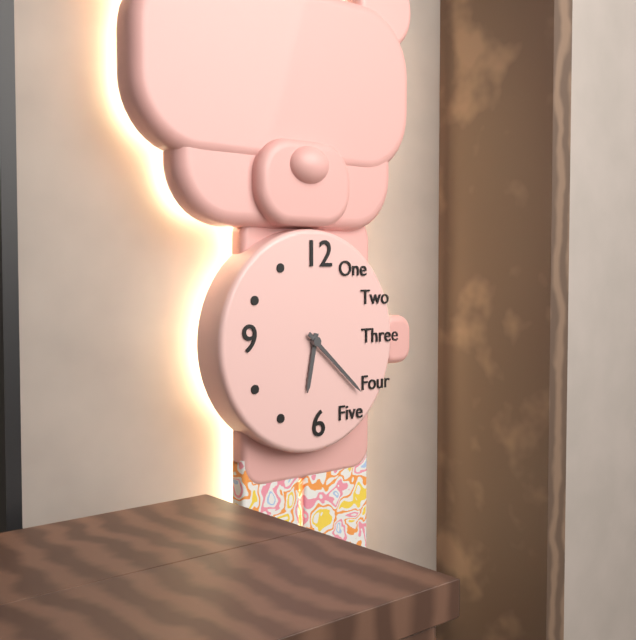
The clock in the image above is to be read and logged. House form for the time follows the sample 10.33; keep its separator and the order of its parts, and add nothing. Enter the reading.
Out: 6.22
